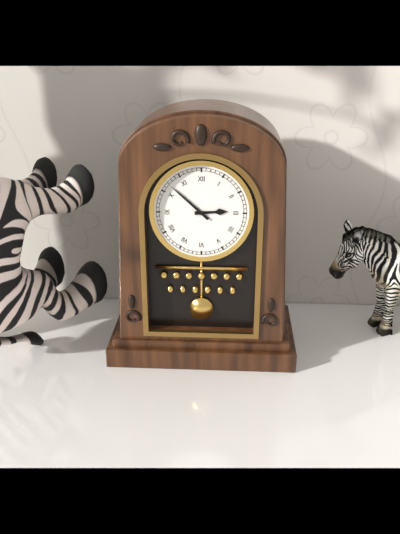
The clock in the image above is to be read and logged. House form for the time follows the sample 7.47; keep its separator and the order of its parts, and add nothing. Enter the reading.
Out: 2.52
